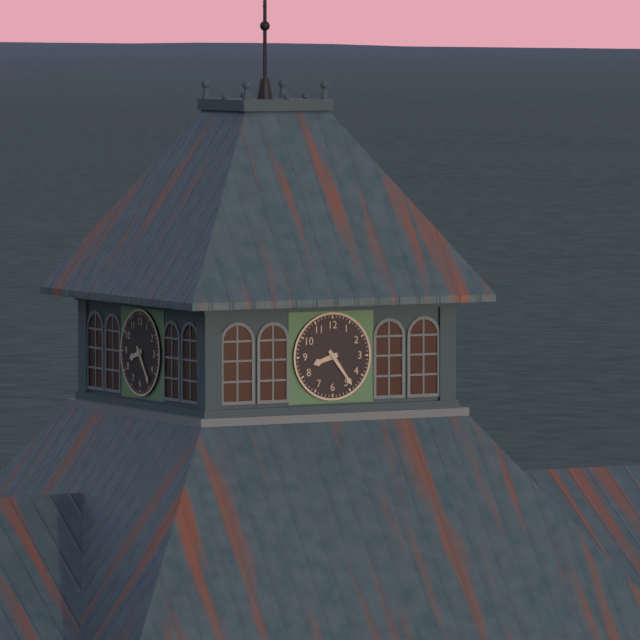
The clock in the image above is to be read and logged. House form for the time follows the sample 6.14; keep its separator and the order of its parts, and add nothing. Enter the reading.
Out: 8.24
